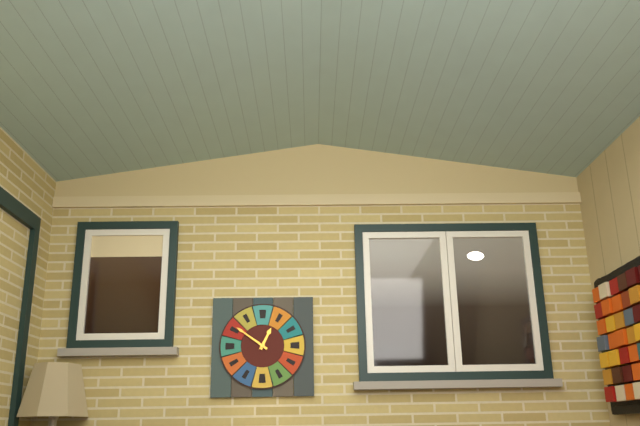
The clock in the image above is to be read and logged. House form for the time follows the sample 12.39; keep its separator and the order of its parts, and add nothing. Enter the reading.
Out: 12.51
